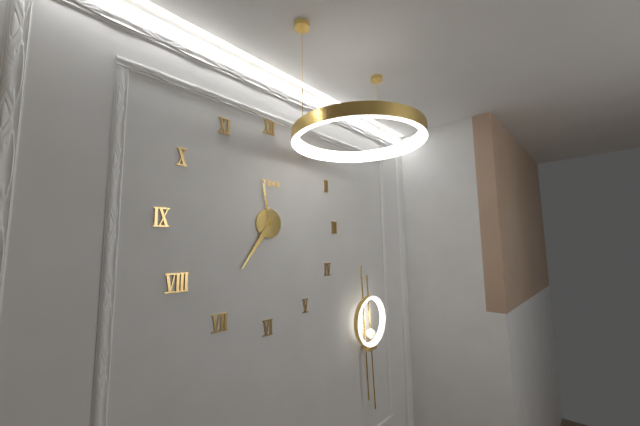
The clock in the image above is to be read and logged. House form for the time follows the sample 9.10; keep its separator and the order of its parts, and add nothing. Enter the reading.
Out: 11.36
